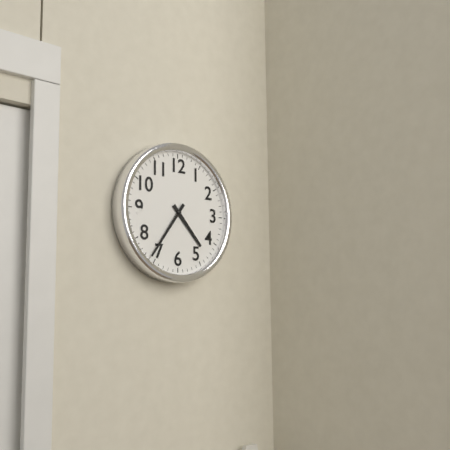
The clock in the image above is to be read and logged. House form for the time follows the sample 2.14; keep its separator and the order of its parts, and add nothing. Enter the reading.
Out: 4.36
